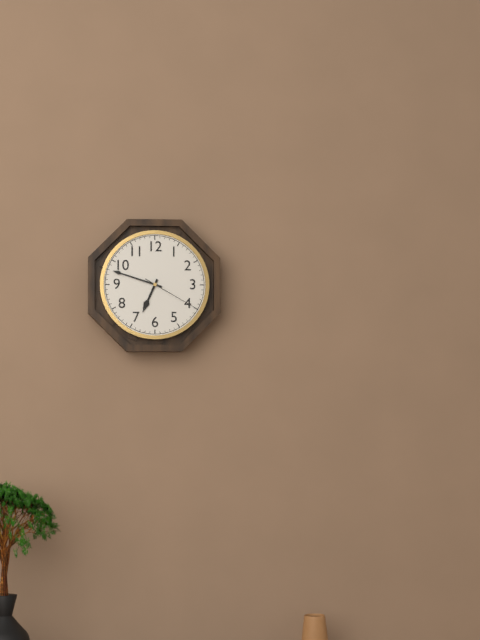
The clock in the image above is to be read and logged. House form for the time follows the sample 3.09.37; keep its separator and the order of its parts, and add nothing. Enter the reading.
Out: 6.48.20
